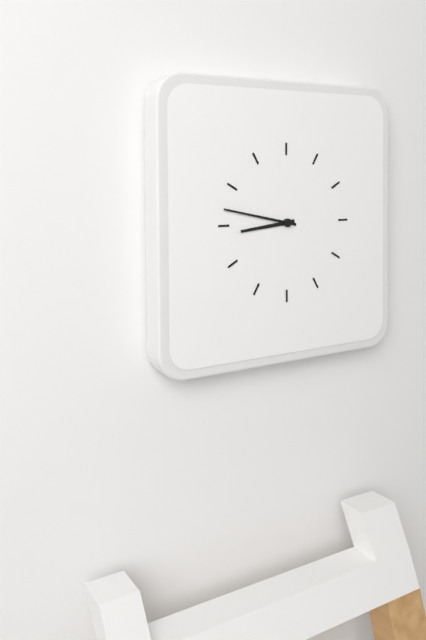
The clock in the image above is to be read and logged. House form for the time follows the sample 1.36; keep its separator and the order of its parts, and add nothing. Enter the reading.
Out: 8.47
